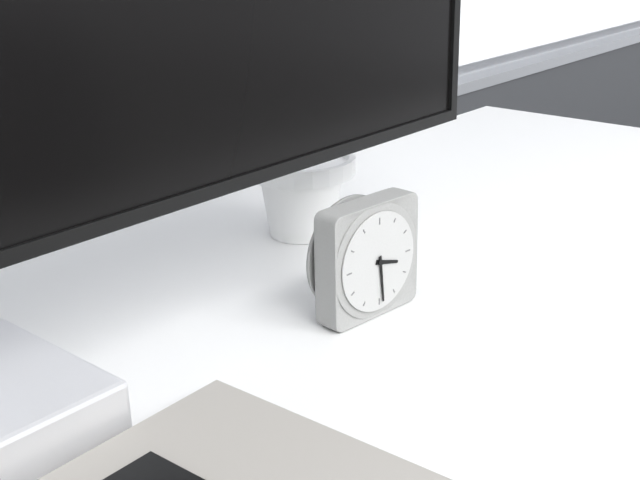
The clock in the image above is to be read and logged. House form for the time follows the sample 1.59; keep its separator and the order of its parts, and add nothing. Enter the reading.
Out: 3.29
